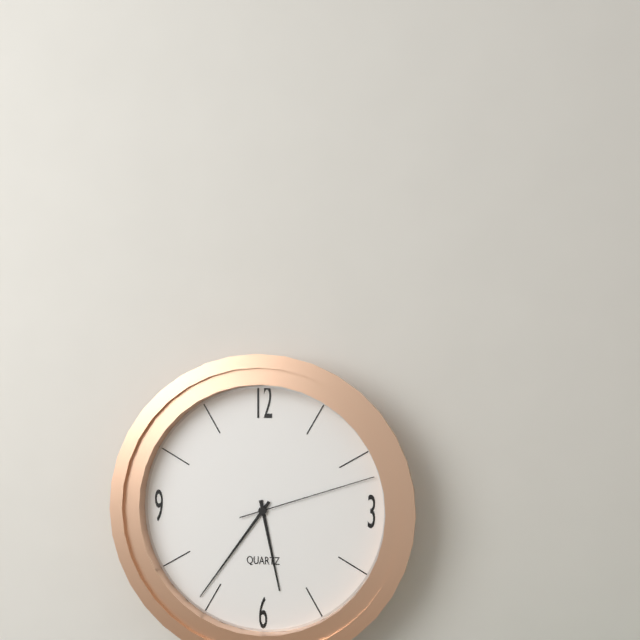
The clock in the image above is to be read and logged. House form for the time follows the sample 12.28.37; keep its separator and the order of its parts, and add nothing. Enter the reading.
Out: 5.36.12
